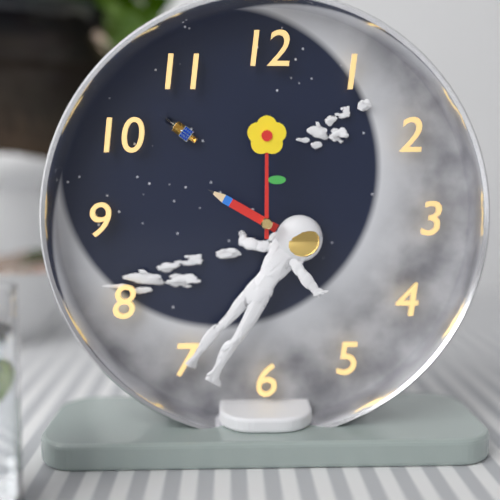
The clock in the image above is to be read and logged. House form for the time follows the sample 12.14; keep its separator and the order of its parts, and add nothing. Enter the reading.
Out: 10.00
